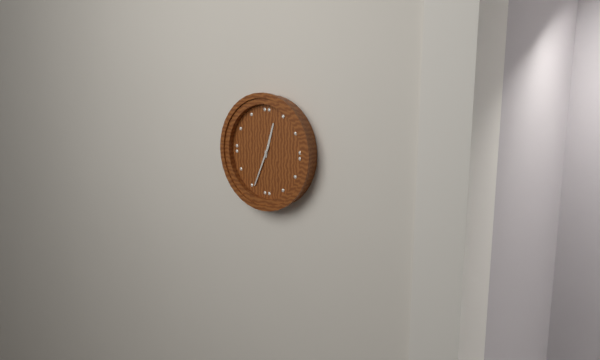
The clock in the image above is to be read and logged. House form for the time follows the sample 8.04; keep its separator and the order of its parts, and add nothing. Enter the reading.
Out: 12.34
